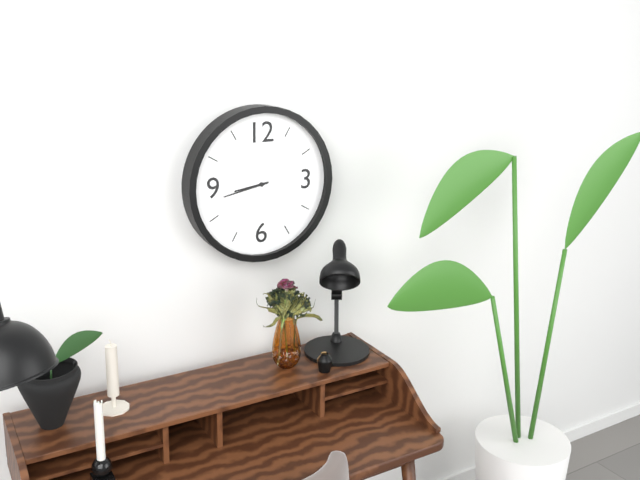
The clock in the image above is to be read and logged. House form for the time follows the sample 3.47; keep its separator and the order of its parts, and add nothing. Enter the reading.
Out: 8.43
